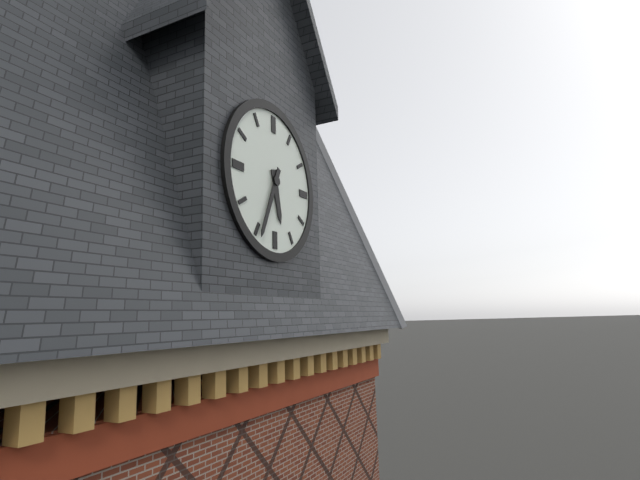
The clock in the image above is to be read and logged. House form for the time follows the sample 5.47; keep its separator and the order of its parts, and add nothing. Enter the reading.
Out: 5.34
